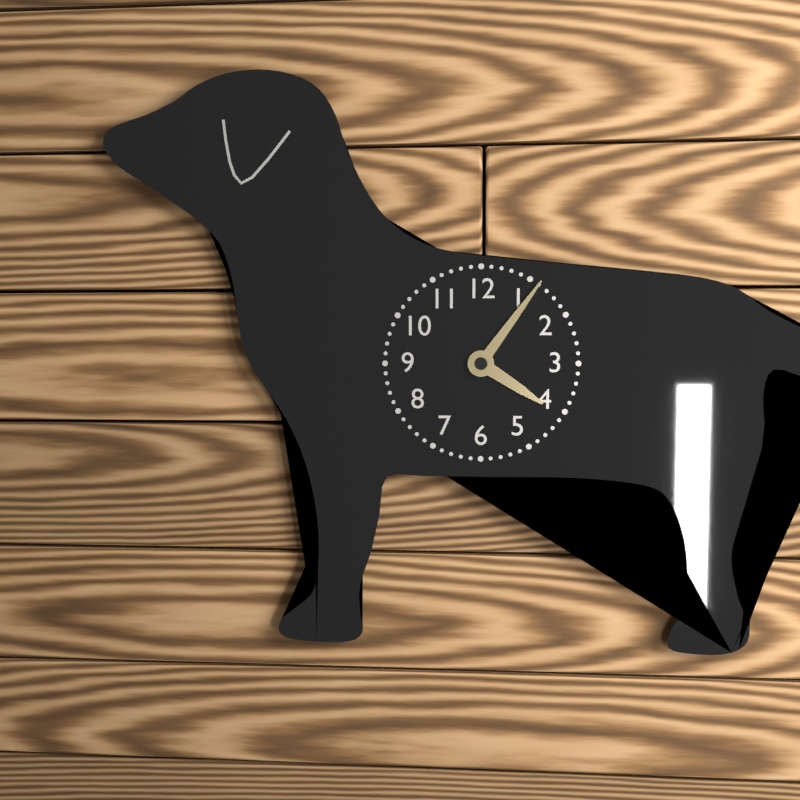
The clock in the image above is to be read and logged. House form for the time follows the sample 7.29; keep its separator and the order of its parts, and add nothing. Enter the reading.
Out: 4.06
